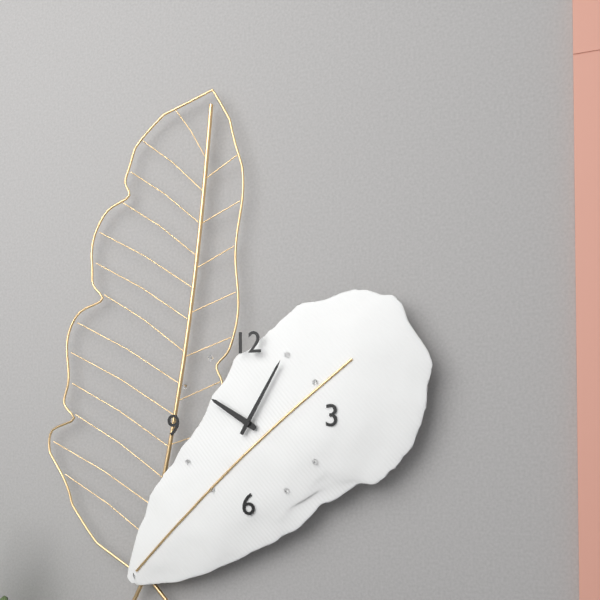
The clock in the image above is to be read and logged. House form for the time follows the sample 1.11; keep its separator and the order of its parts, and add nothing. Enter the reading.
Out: 10.05
